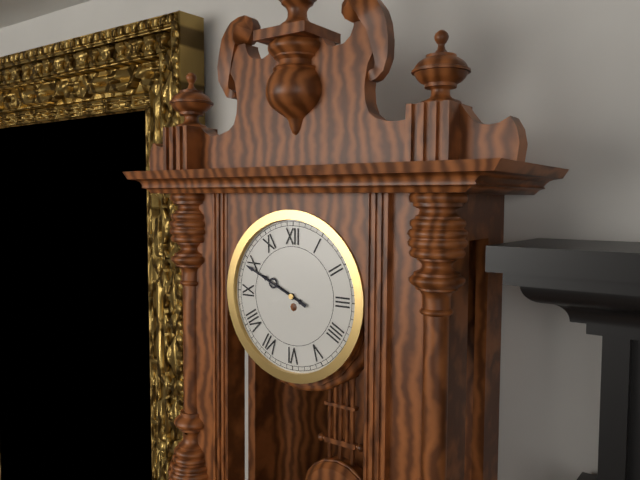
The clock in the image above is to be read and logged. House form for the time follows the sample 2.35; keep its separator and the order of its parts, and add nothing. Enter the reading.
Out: 9.49
